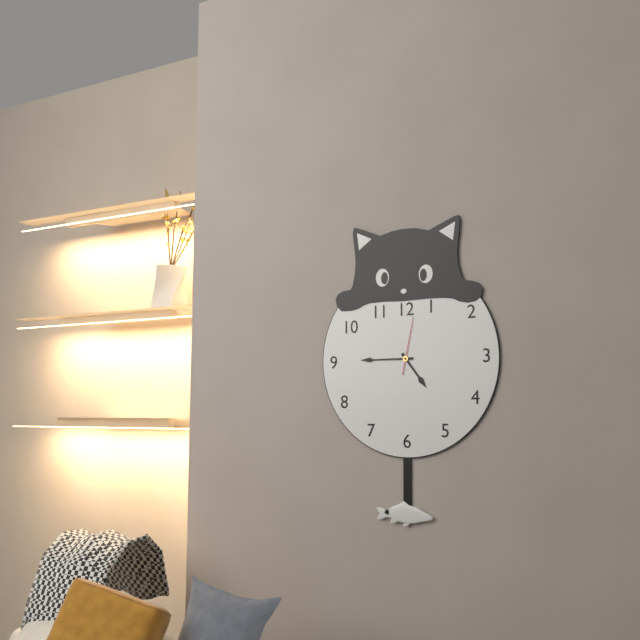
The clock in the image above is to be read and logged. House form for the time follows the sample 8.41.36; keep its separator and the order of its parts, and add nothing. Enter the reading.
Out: 4.45.02
